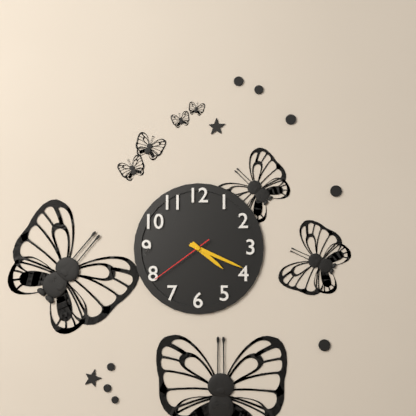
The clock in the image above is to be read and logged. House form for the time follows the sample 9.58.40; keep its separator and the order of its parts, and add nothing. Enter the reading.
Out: 4.19.39
